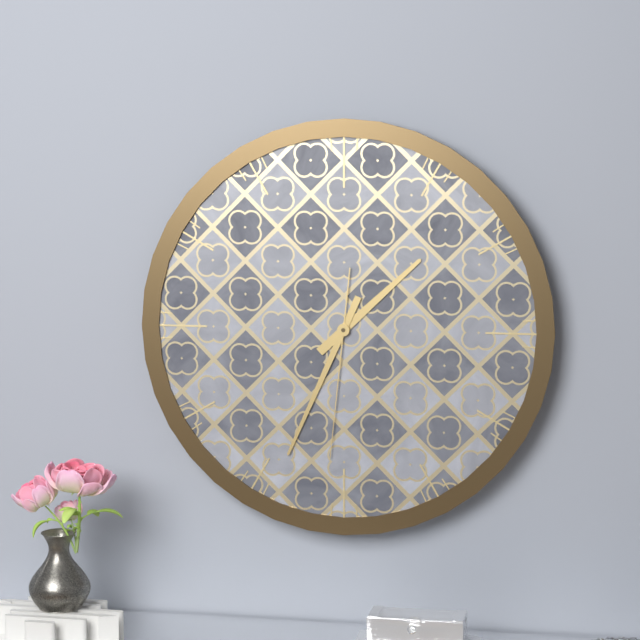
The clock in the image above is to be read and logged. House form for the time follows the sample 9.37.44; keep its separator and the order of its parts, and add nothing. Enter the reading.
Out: 1.34.31
